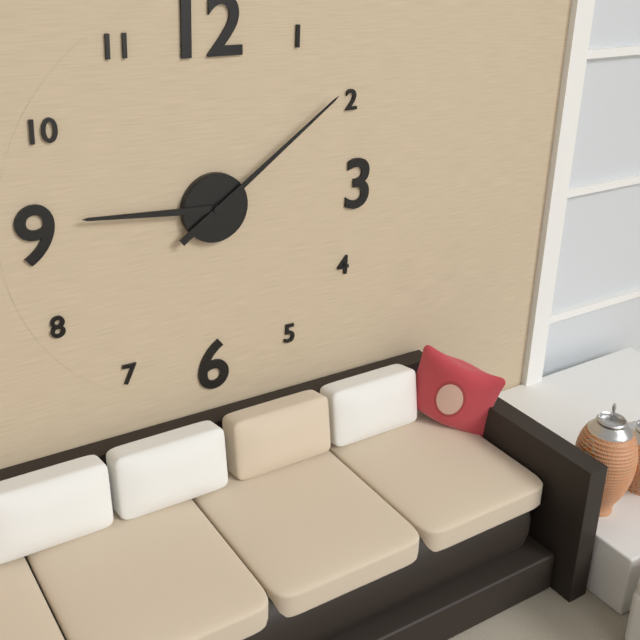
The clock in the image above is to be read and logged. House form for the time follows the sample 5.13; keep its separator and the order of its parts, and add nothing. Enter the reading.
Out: 9.09
